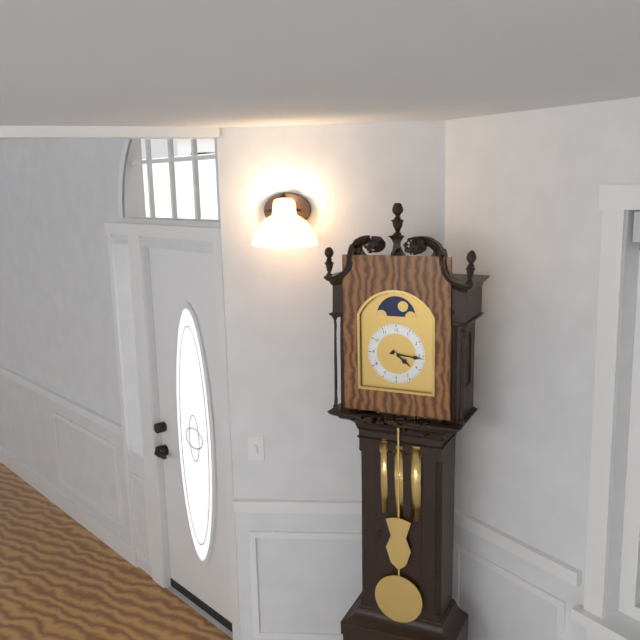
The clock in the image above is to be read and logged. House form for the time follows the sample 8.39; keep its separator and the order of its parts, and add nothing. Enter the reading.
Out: 4.16
